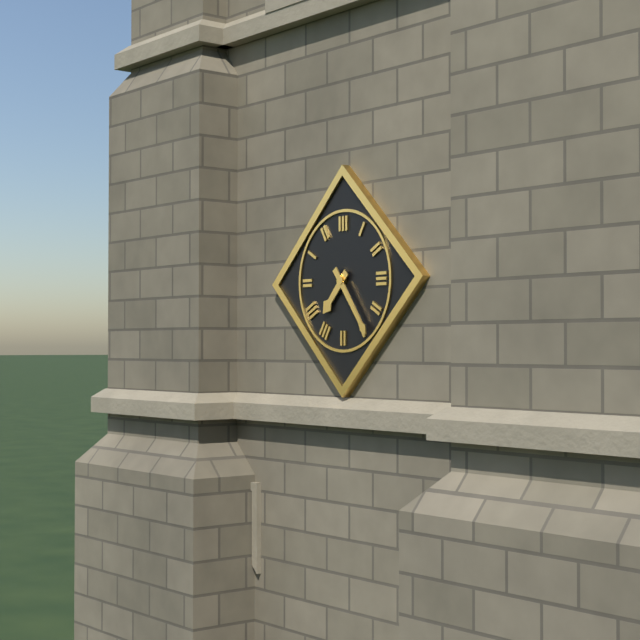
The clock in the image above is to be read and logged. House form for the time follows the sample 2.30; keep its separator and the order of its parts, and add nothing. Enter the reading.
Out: 7.24
